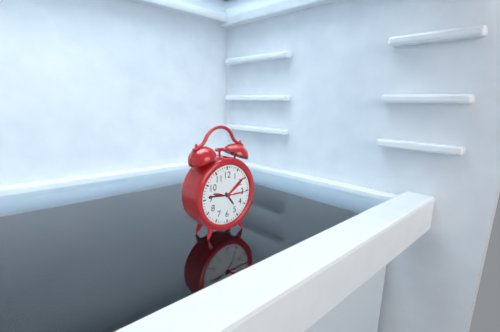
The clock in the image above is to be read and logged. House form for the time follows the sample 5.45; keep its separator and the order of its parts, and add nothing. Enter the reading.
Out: 4.46
